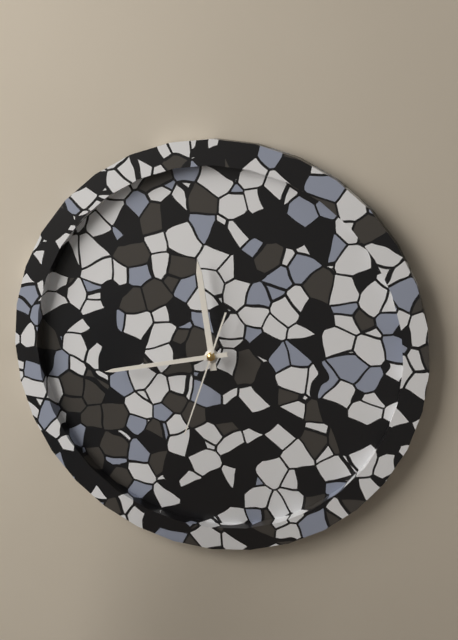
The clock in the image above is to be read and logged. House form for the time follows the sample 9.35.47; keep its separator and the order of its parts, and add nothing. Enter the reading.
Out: 11.43.33
